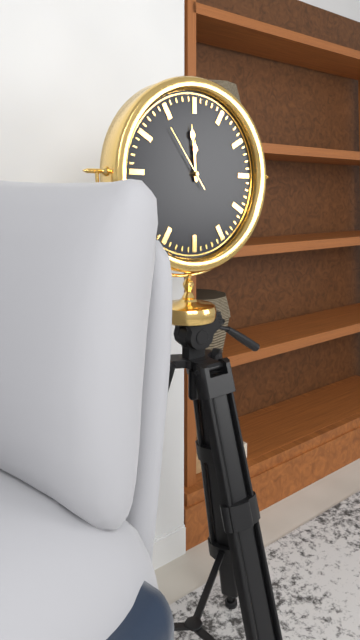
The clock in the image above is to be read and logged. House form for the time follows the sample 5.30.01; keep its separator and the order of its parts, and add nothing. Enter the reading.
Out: 11.59.54
